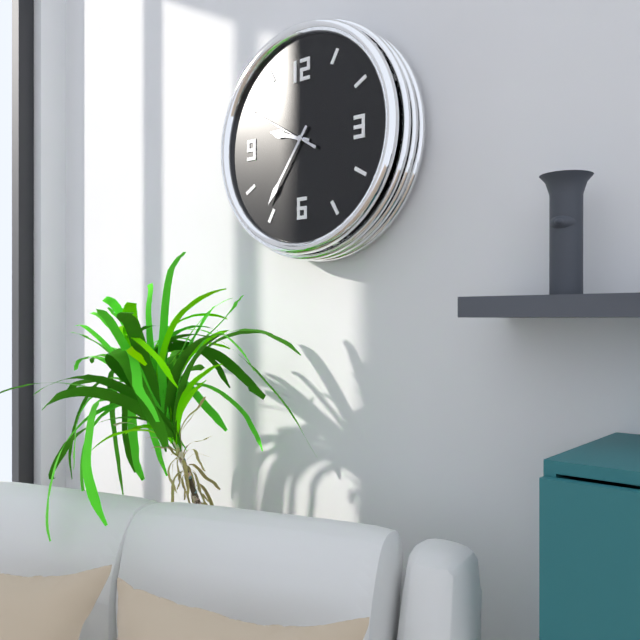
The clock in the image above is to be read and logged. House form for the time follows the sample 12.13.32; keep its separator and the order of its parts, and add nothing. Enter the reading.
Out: 9.36.50
